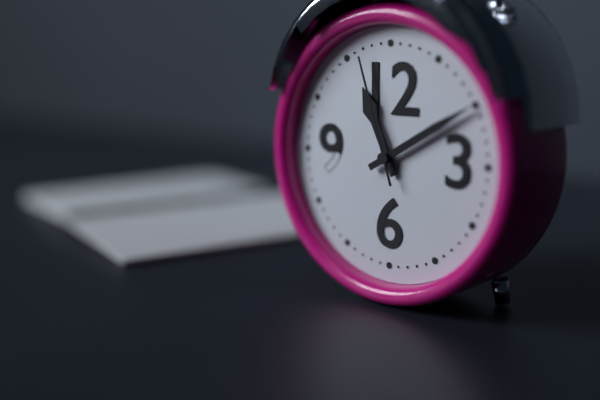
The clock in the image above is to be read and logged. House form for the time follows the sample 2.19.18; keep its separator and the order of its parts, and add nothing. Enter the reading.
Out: 11.10.57
